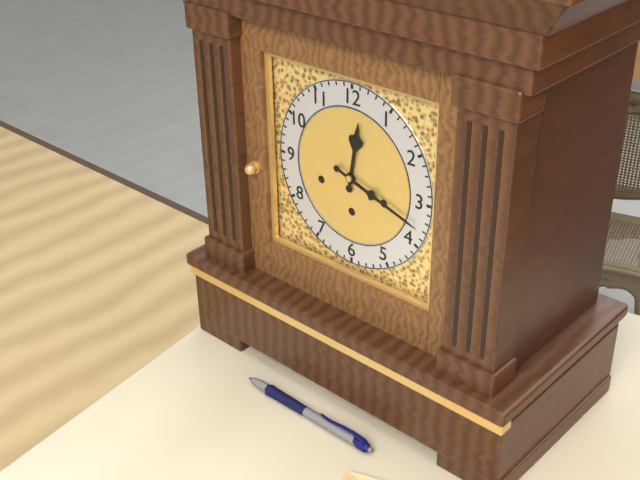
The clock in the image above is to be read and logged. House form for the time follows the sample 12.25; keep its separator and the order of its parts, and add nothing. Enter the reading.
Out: 12.18
